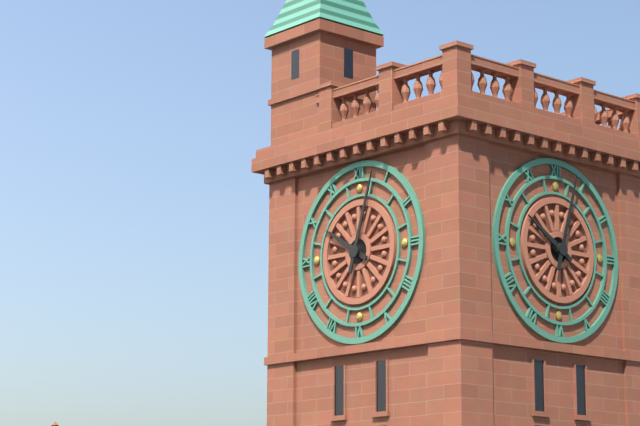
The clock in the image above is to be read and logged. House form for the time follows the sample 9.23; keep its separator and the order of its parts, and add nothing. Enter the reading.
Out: 10.03
